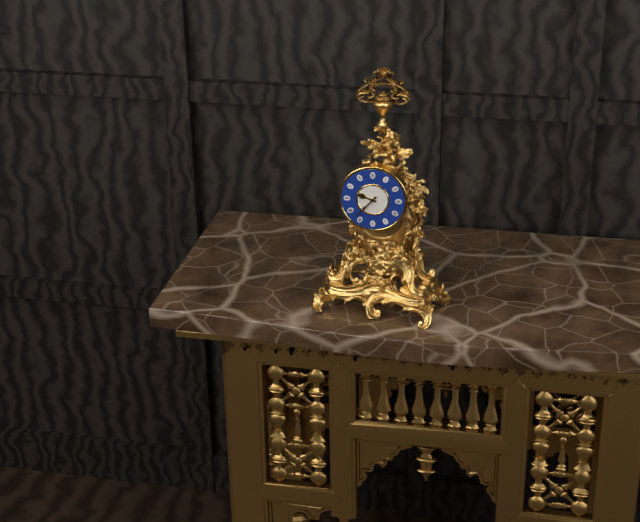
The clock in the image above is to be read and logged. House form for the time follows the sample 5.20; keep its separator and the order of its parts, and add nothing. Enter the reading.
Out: 9.37
